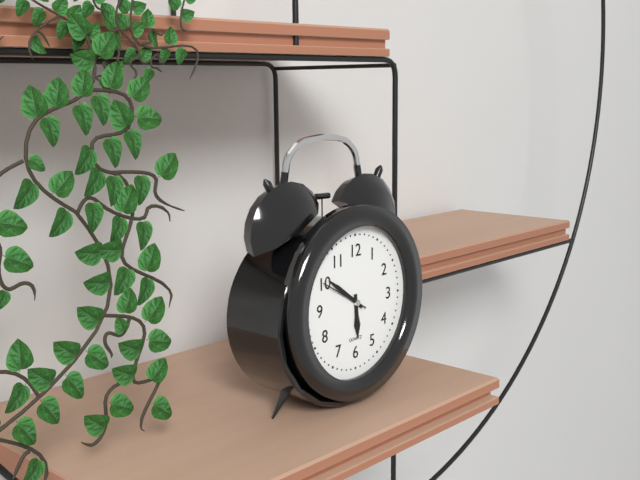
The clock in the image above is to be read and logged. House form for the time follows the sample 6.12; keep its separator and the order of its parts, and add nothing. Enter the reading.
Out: 5.51
